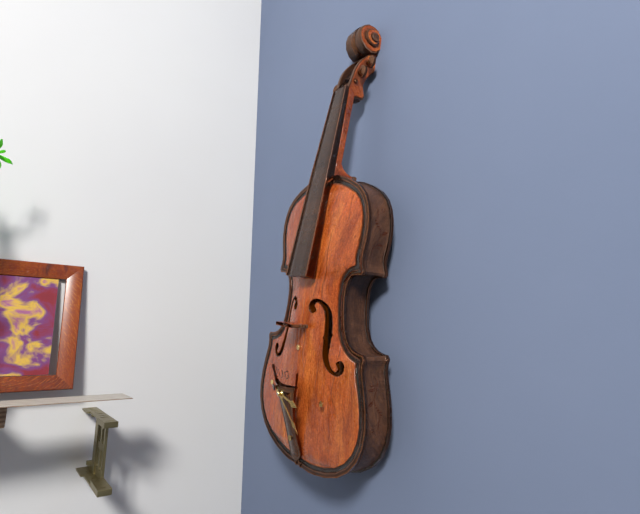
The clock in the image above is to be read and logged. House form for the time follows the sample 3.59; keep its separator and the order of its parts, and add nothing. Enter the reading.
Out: 3.21
